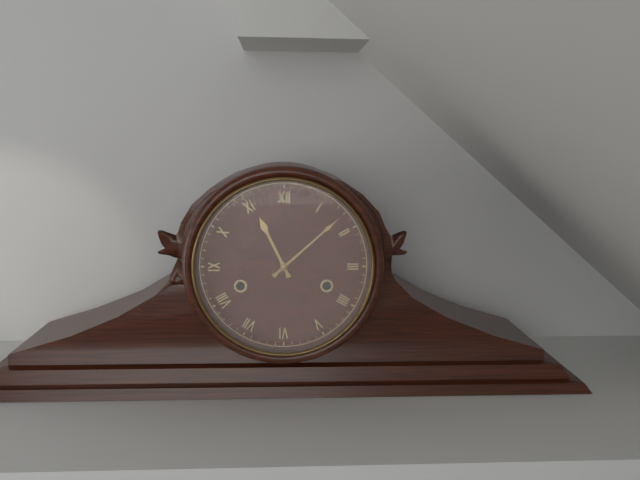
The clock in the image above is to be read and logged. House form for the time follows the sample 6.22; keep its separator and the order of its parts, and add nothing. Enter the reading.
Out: 11.08
